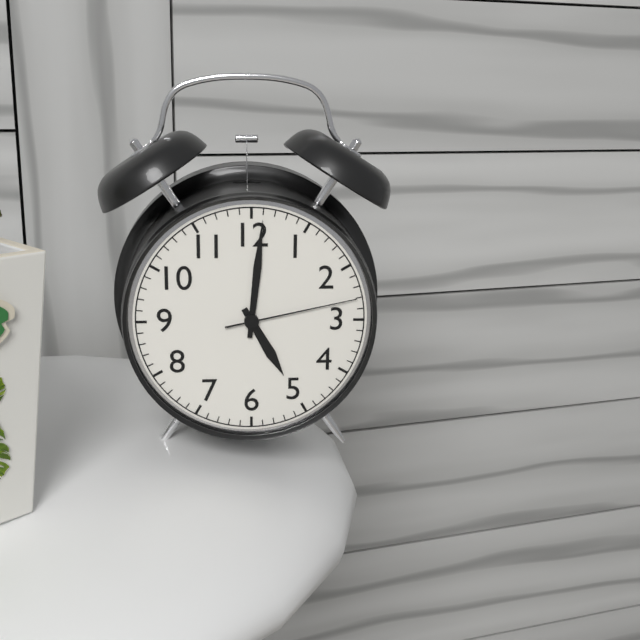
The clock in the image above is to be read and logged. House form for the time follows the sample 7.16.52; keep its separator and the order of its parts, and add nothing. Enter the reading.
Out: 5.01.13
